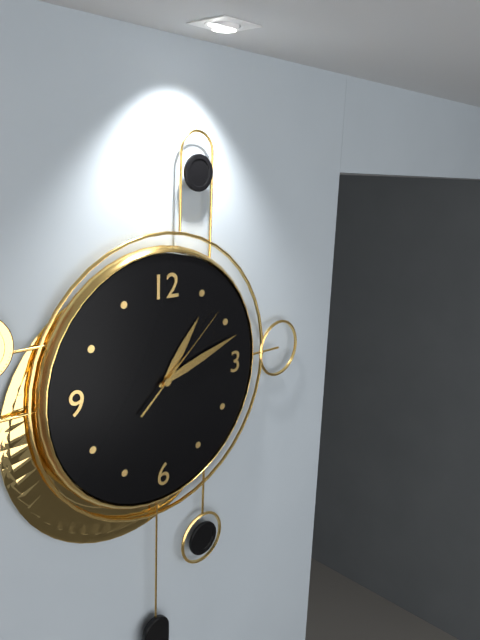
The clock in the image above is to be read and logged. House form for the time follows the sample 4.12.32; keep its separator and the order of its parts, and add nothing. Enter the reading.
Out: 1.12.08
